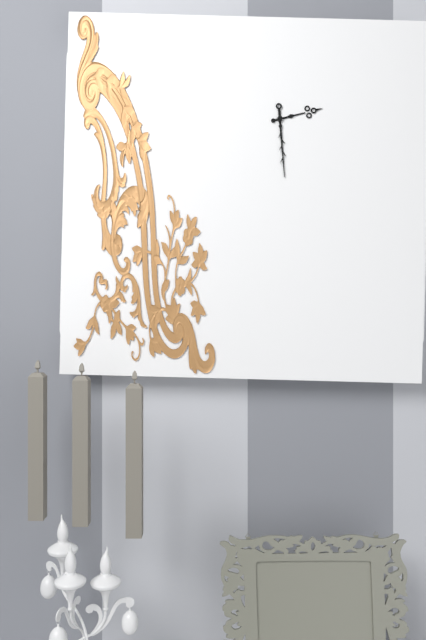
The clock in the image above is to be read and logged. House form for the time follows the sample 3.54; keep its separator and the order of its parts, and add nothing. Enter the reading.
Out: 2.29
